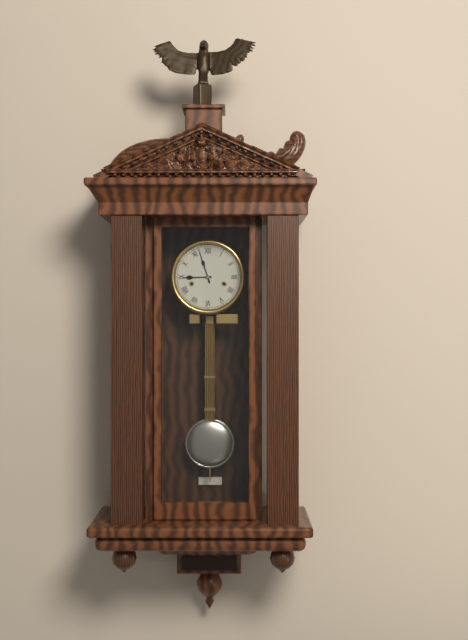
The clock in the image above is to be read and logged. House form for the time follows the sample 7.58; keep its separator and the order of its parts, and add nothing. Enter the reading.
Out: 8.57
